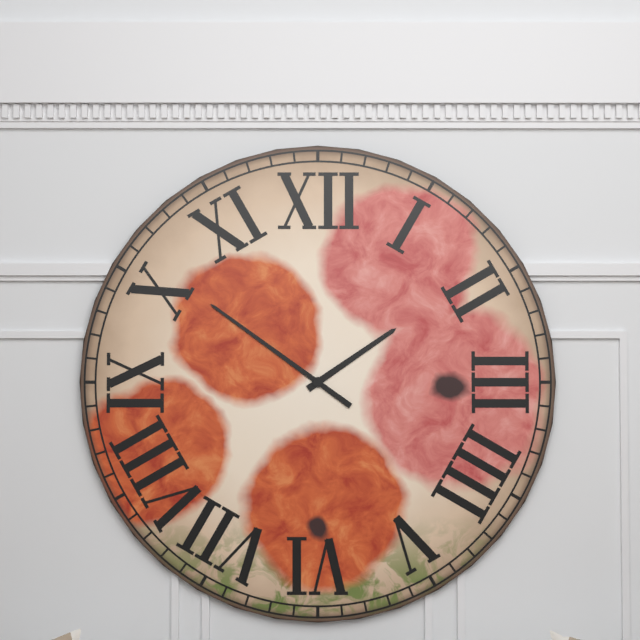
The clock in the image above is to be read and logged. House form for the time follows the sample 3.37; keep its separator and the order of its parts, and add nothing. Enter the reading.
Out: 1.51
